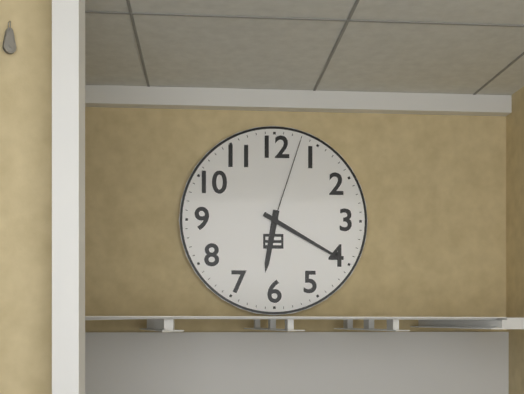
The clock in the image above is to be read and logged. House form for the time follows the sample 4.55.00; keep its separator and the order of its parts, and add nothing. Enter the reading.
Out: 6.20.03
